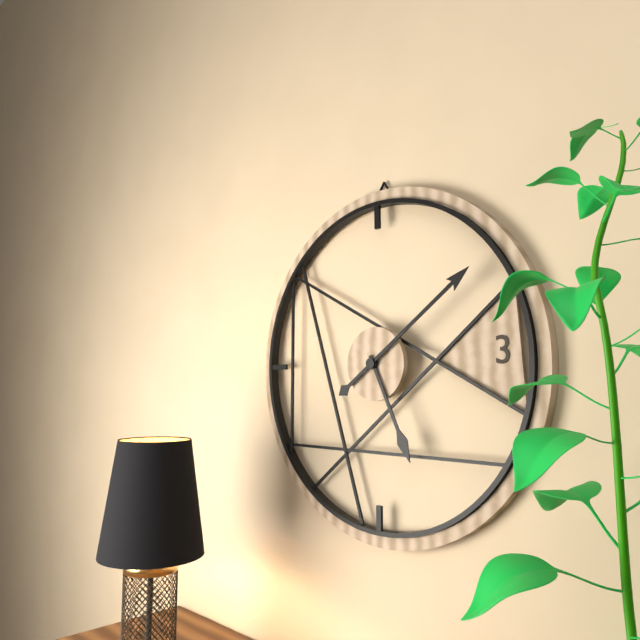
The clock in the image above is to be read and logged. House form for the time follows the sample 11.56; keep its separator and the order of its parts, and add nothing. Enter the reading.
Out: 5.09
